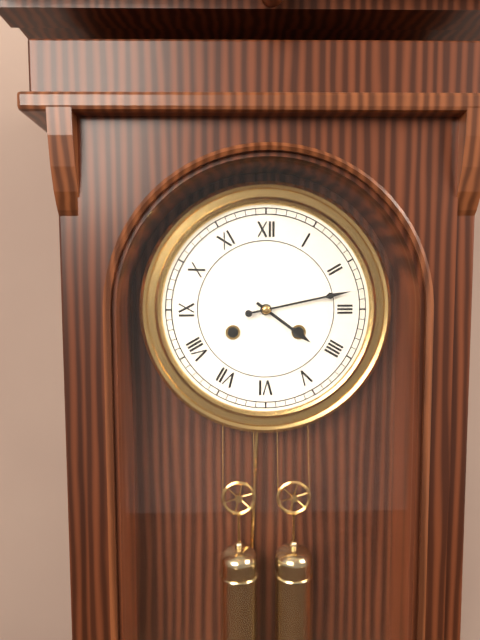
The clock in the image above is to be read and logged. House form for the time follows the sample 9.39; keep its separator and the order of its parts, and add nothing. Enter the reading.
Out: 4.13
